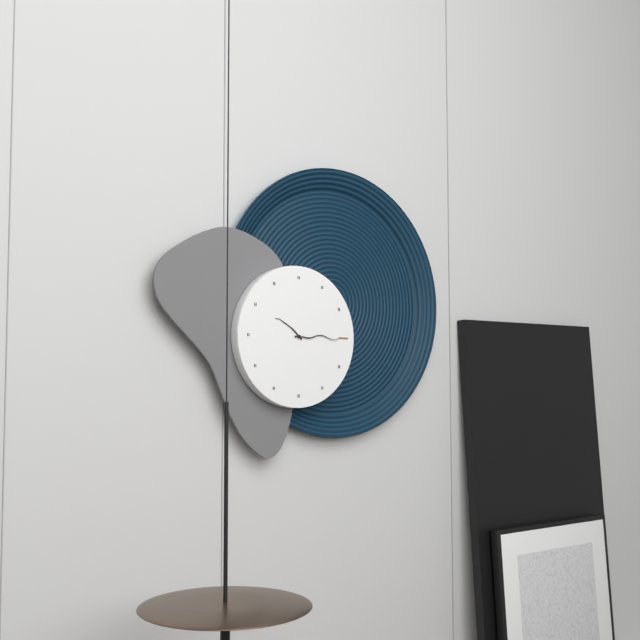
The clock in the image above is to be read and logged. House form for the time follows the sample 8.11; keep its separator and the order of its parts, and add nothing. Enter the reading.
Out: 10.15
